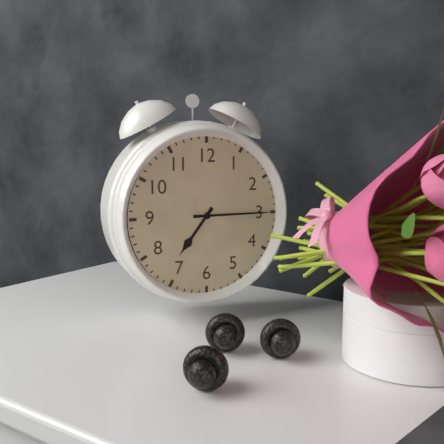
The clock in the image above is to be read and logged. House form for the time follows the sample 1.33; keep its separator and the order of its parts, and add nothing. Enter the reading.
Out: 7.15
